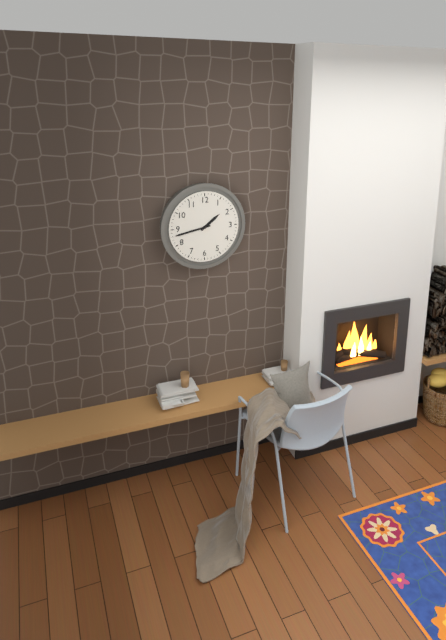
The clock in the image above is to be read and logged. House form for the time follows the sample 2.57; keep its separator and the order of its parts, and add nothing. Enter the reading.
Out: 1.43
